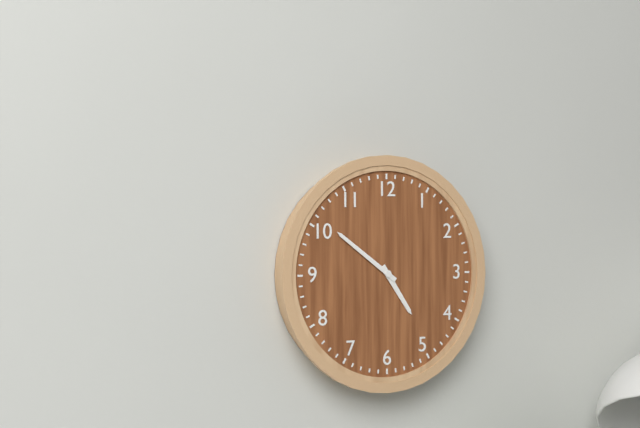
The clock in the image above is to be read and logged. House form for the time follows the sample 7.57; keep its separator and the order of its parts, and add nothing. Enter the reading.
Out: 4.51
